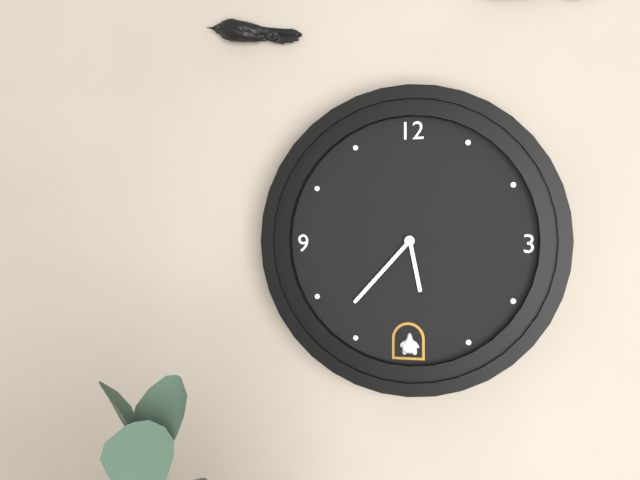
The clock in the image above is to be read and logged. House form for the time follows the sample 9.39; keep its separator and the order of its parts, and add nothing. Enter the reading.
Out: 5.37
